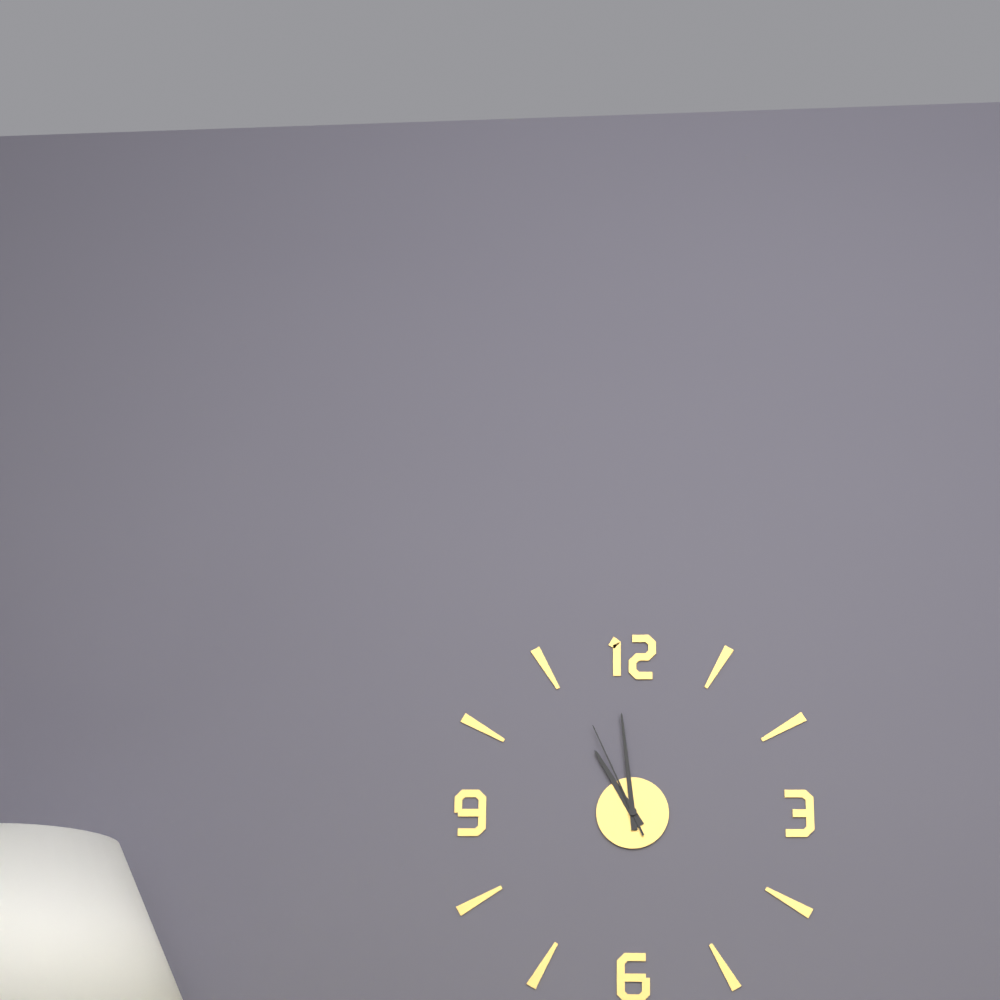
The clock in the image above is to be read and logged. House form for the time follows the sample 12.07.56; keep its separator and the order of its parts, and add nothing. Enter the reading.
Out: 10.59.56
